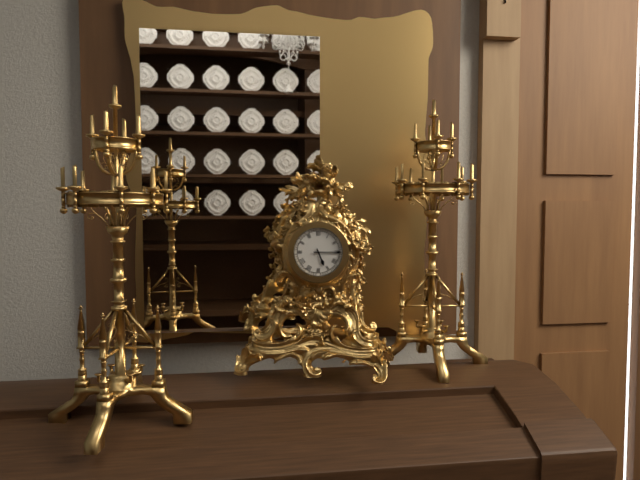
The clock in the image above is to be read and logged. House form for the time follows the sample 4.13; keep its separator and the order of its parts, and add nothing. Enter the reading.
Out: 5.15
